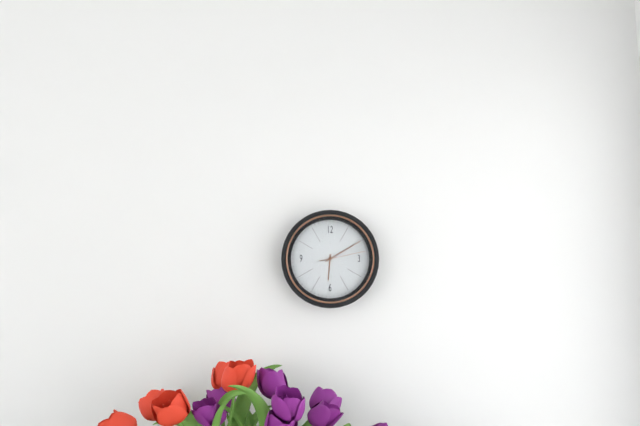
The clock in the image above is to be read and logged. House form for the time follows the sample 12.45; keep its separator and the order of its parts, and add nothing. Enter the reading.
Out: 6.10
